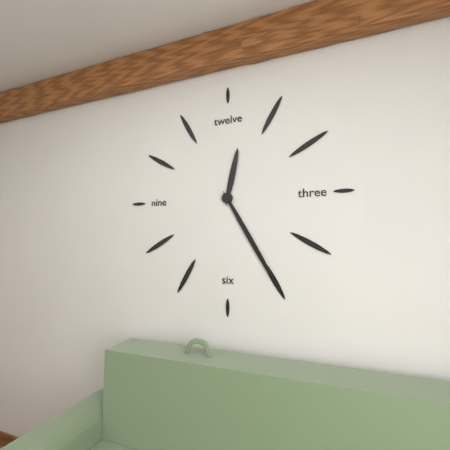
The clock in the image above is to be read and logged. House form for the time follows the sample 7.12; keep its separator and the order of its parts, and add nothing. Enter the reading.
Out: 12.25
